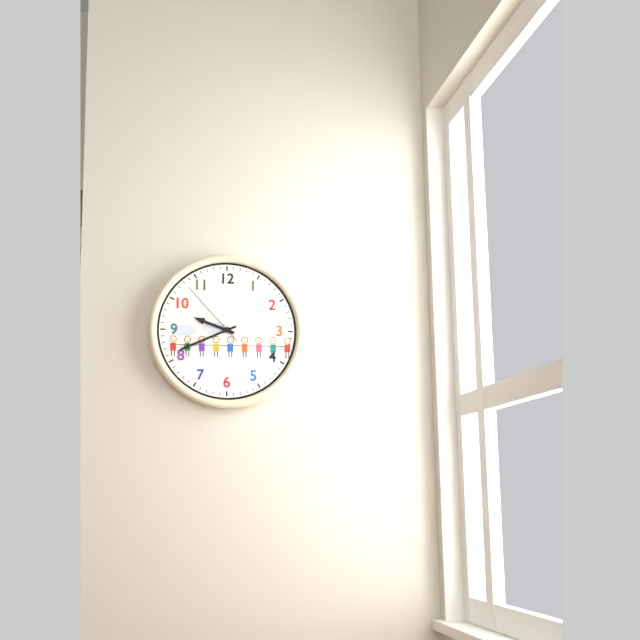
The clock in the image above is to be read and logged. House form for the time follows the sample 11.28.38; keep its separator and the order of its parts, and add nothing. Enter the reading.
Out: 9.41.53
